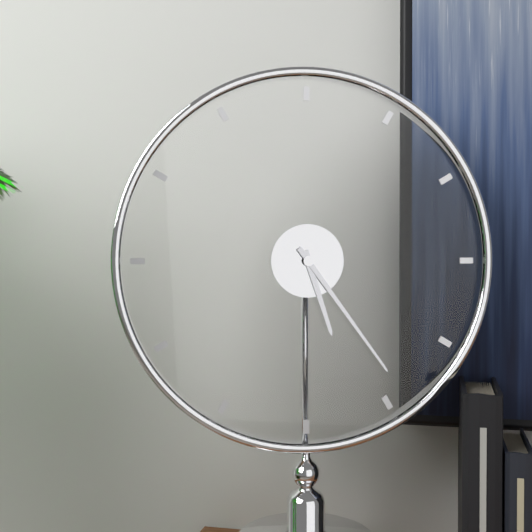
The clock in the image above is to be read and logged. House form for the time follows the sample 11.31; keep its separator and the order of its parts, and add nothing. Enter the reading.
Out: 5.24
